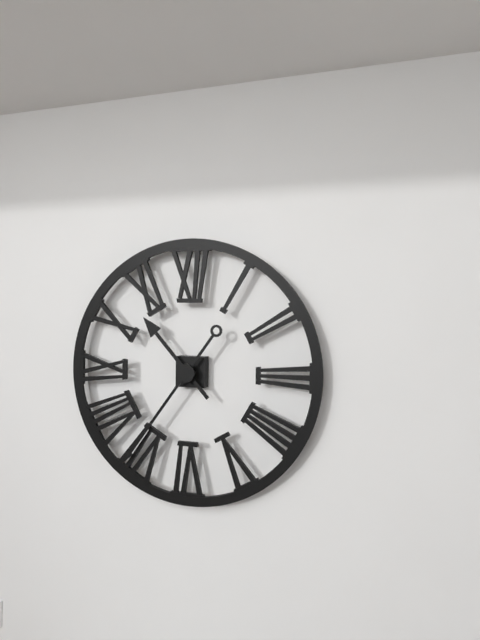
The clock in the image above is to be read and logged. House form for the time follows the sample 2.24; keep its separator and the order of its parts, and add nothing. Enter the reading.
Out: 10.36
